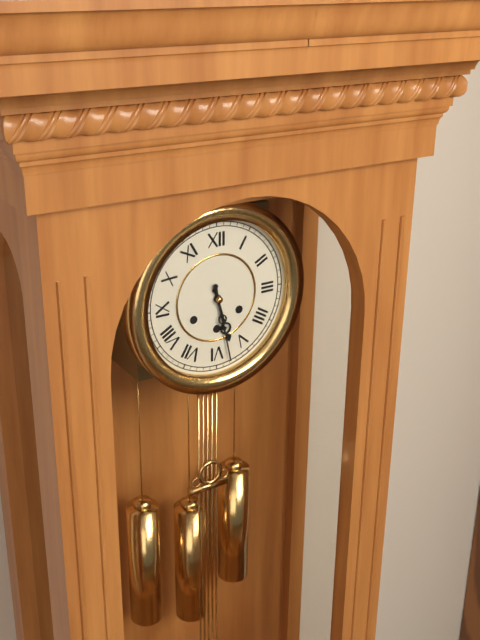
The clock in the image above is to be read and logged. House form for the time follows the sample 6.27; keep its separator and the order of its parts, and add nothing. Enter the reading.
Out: 5.28
